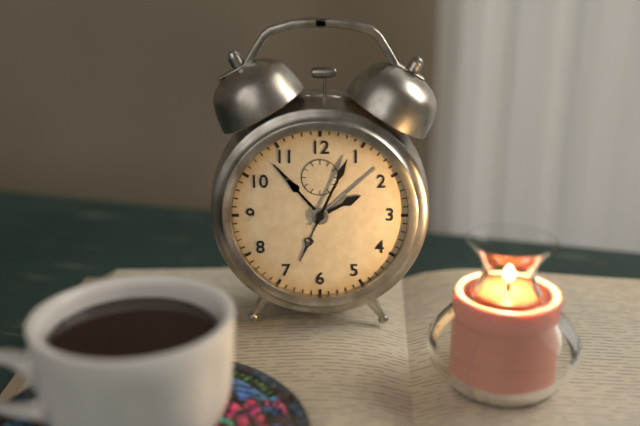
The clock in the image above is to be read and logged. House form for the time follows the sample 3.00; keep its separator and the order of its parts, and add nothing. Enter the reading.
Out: 2.04
